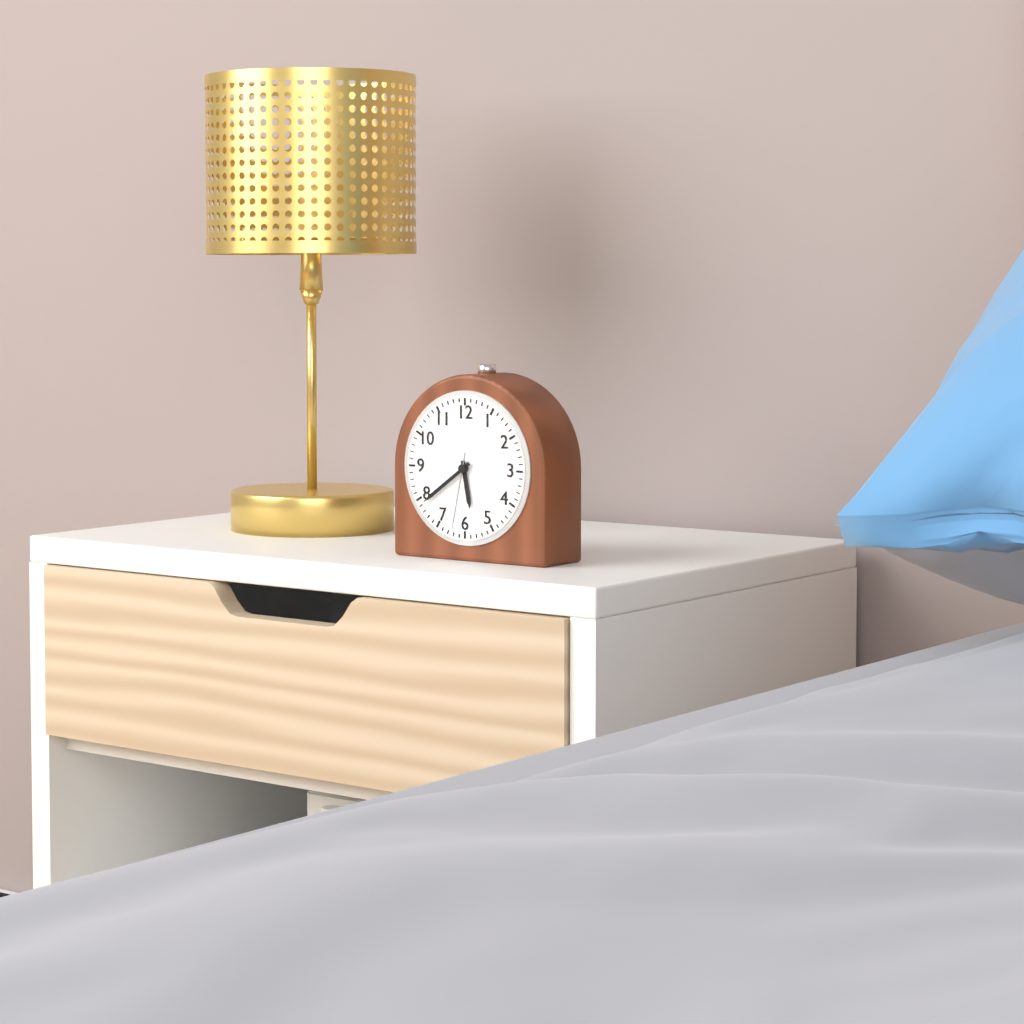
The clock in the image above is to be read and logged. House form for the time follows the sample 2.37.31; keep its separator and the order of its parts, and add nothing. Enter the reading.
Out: 5.39.32
